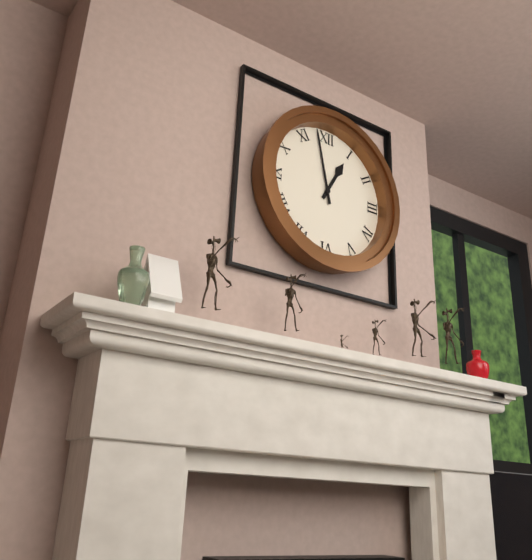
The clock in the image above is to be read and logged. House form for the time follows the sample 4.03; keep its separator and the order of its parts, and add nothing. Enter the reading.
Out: 12.58
